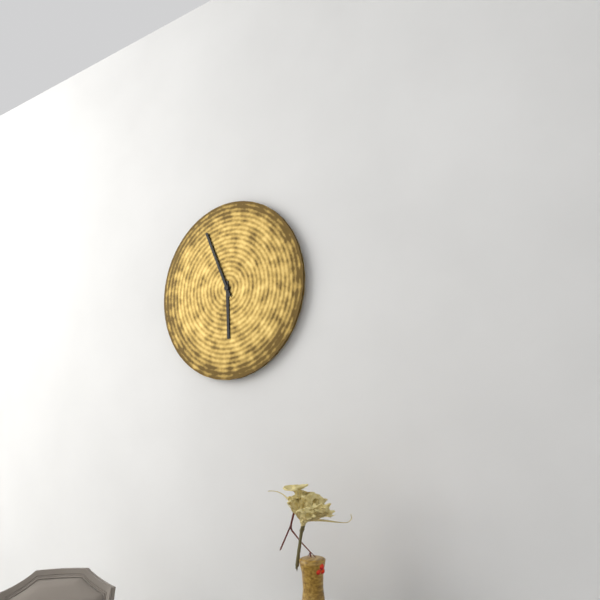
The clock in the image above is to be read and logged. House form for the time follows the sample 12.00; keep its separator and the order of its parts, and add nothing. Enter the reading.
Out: 5.56
